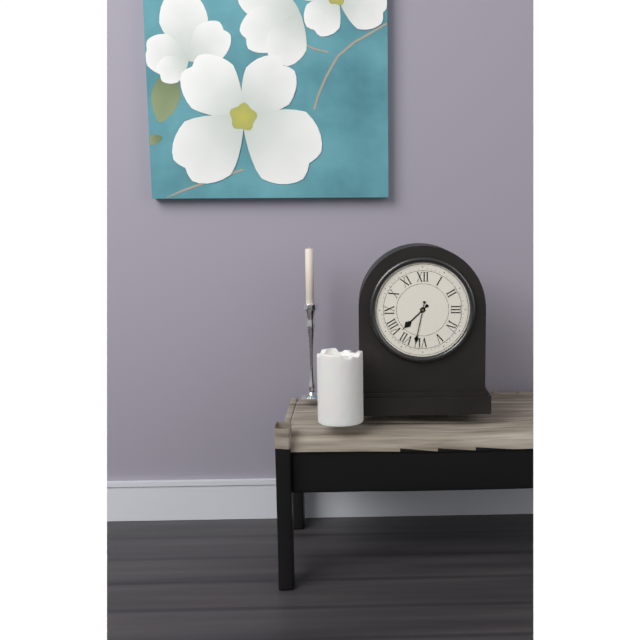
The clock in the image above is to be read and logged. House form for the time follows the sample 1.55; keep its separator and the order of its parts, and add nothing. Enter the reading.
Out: 7.32
